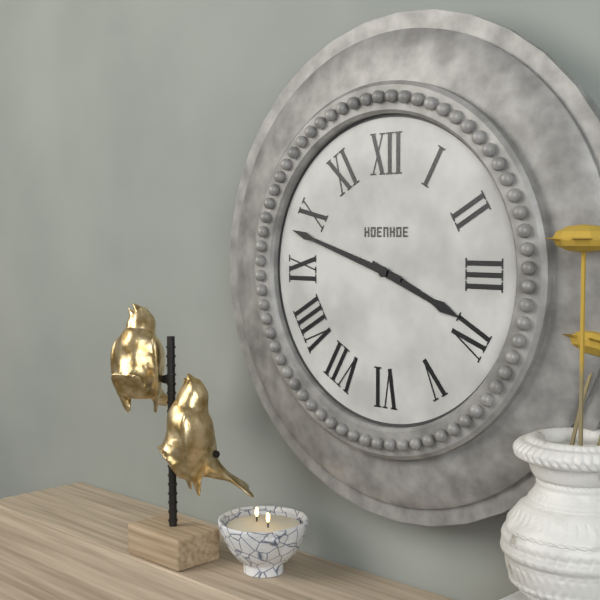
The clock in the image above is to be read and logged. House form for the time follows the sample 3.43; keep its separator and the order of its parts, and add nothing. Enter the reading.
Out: 3.48
